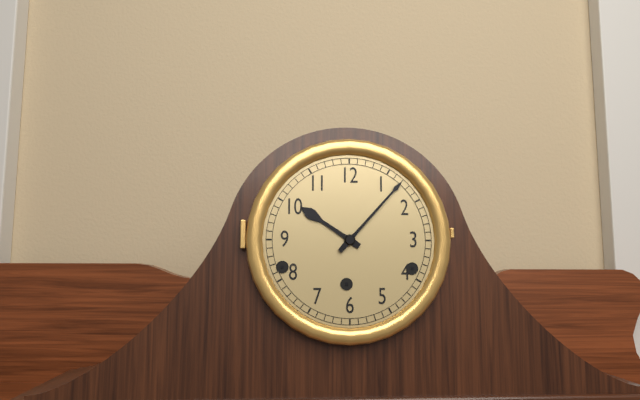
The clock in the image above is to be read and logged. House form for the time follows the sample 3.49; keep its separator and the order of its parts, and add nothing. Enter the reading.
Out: 10.07
